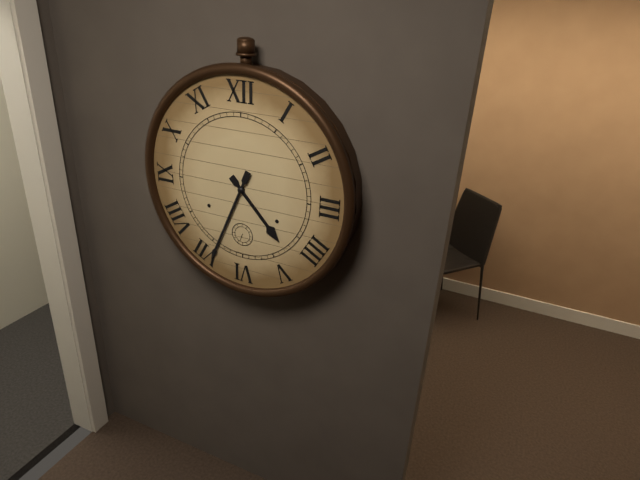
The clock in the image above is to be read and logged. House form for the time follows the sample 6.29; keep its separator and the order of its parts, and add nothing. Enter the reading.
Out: 4.34
